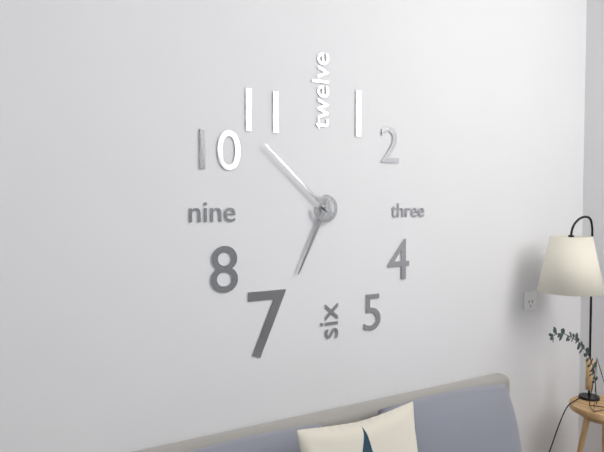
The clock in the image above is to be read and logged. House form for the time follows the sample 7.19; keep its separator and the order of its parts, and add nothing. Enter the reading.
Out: 6.52
